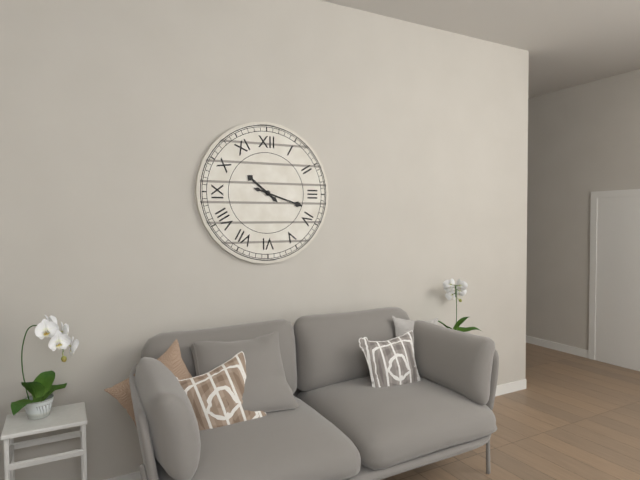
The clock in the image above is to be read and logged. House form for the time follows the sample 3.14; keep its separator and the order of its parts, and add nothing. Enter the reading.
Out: 10.18
